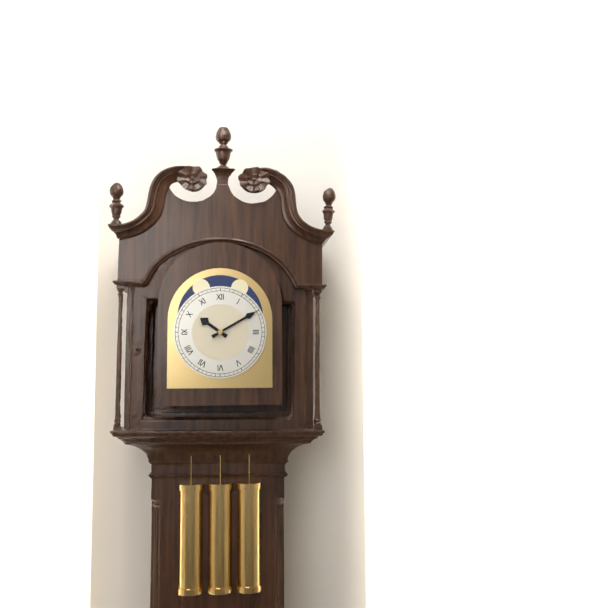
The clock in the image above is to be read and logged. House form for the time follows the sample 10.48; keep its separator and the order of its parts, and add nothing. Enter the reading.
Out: 10.10
